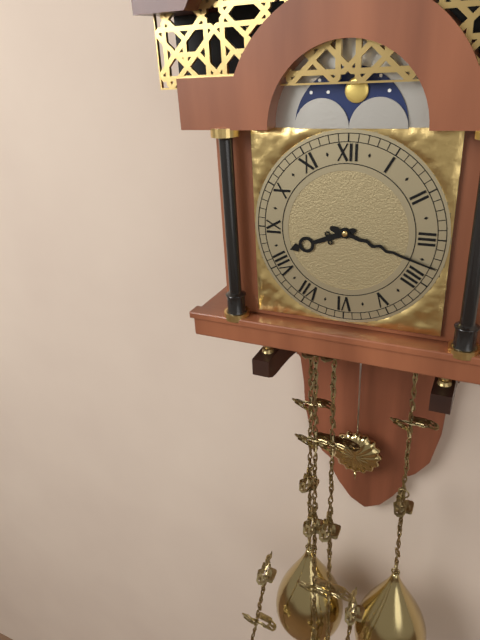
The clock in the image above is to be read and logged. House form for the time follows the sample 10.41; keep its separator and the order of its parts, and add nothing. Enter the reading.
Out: 8.18
